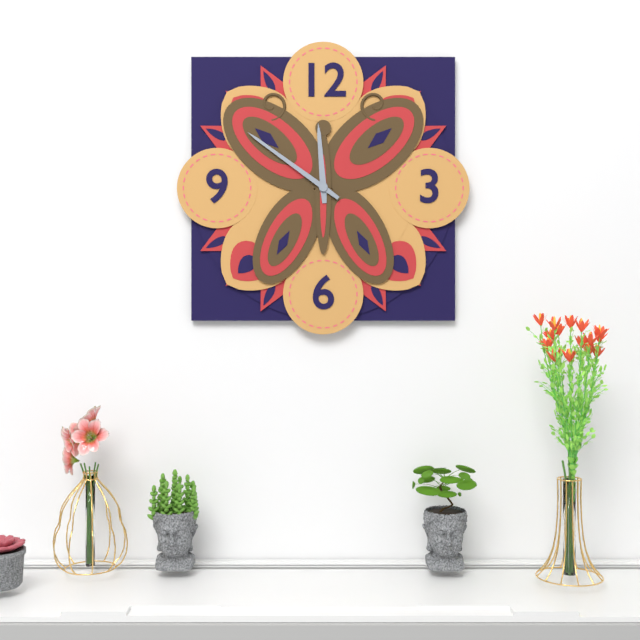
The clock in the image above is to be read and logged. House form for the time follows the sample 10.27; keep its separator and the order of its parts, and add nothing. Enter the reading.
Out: 11.51
